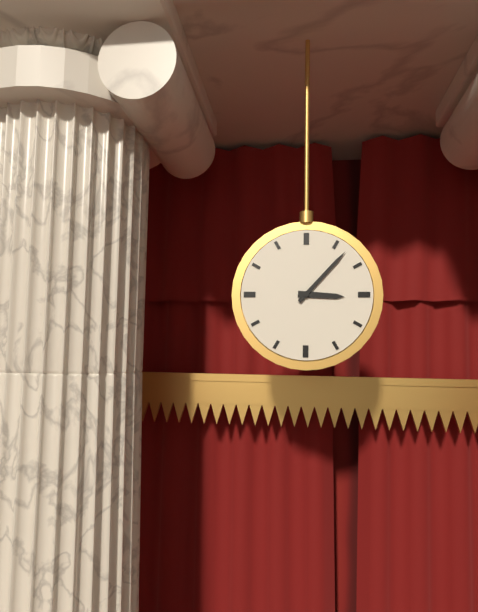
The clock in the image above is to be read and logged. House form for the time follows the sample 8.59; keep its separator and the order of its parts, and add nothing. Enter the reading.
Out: 3.07
